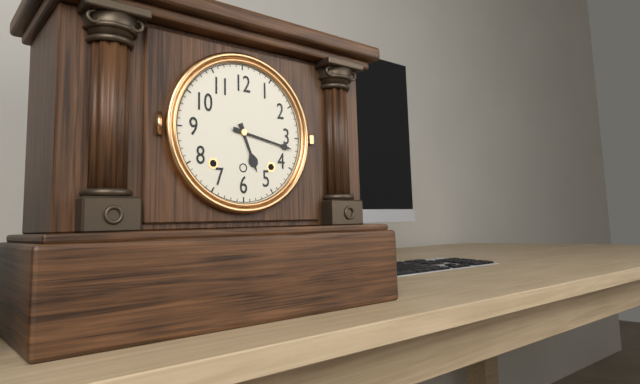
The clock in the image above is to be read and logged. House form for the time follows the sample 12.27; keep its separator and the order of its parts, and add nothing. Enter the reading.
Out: 5.17
